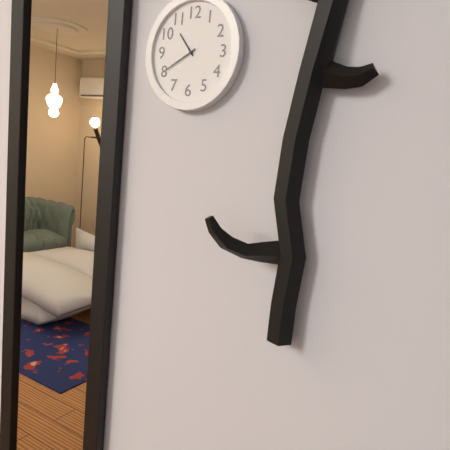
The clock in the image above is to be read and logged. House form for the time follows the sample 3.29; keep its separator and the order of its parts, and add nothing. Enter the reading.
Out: 10.40
